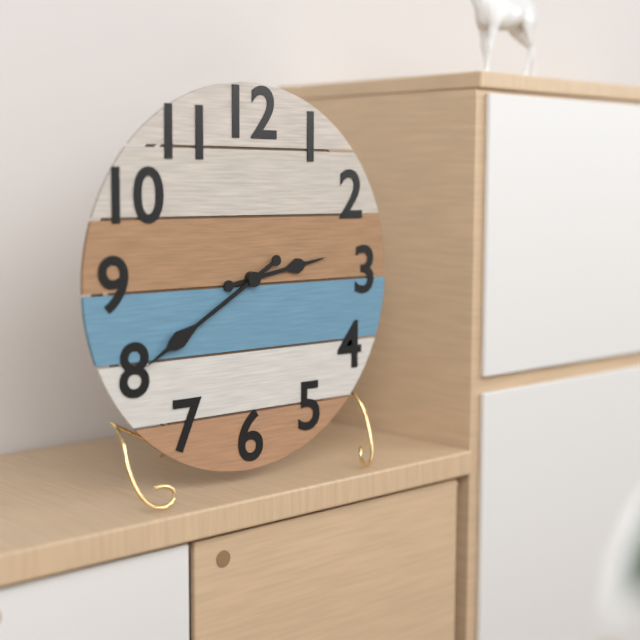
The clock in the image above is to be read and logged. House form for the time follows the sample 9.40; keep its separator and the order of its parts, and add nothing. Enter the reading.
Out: 2.40
